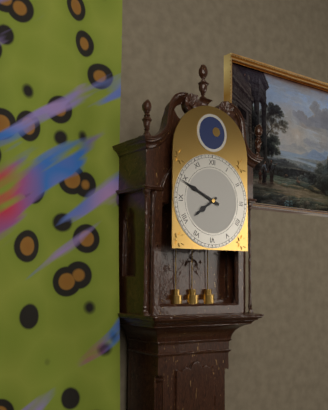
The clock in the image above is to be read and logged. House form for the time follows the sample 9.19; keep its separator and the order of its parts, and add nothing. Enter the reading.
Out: 7.49
